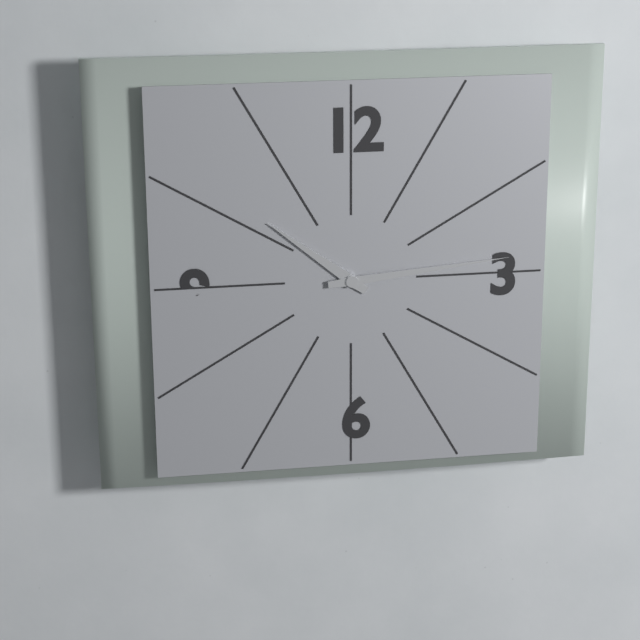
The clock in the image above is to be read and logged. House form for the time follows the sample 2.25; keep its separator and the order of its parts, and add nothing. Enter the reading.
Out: 10.14
